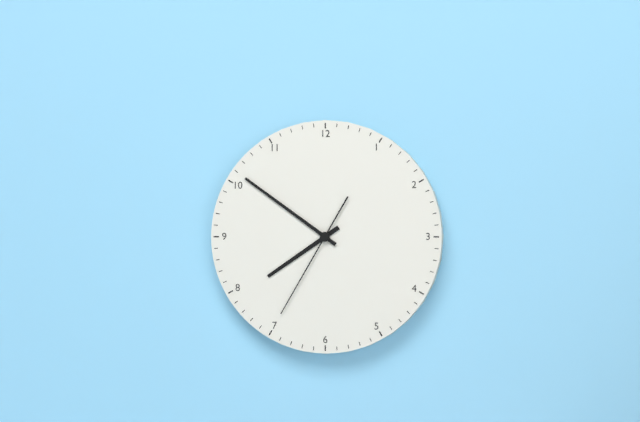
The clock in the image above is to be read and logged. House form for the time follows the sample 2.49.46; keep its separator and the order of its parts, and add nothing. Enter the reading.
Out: 7.51.35
